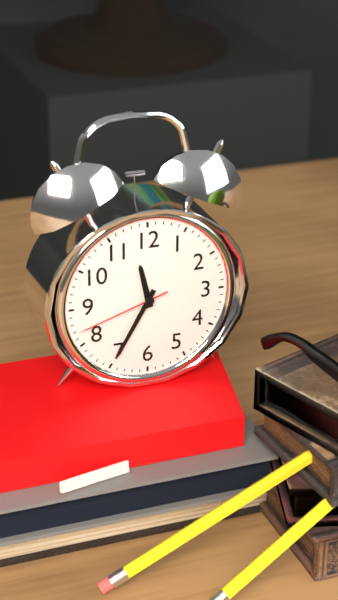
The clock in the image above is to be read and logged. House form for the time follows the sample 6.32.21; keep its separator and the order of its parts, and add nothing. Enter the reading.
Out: 11.35.42
